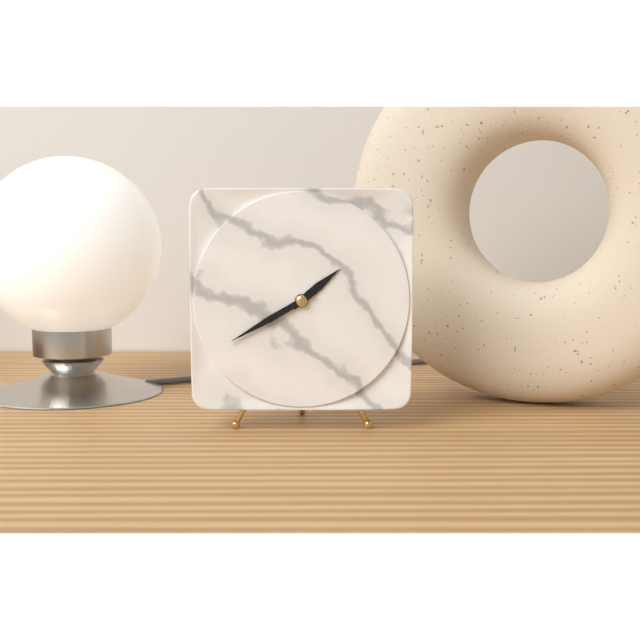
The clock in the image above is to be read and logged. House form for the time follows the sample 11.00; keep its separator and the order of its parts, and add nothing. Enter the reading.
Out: 1.40
